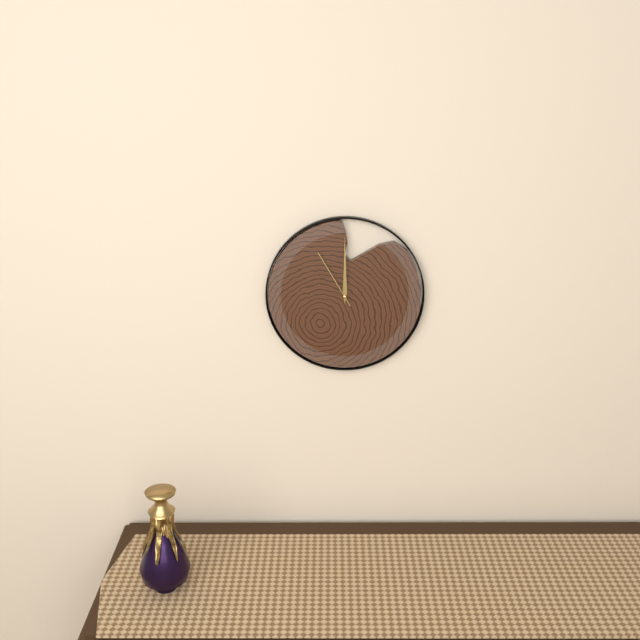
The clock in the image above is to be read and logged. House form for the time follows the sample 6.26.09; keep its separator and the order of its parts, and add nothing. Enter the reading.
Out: 12.00.55
